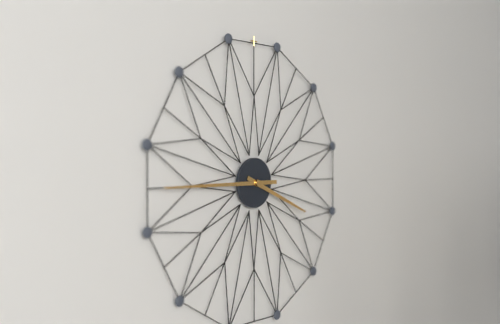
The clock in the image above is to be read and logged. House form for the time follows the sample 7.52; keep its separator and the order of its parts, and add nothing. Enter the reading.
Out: 3.45
